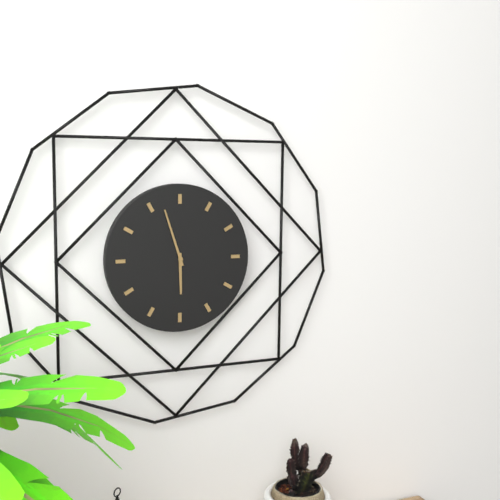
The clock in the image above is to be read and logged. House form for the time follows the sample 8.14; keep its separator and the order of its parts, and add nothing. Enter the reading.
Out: 5.57
